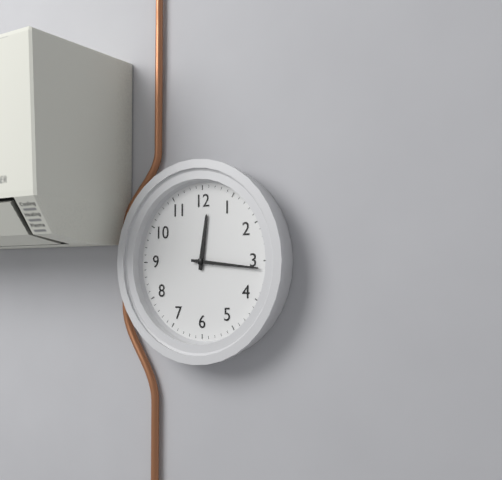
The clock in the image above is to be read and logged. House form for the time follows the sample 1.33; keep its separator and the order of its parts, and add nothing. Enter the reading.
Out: 12.16
